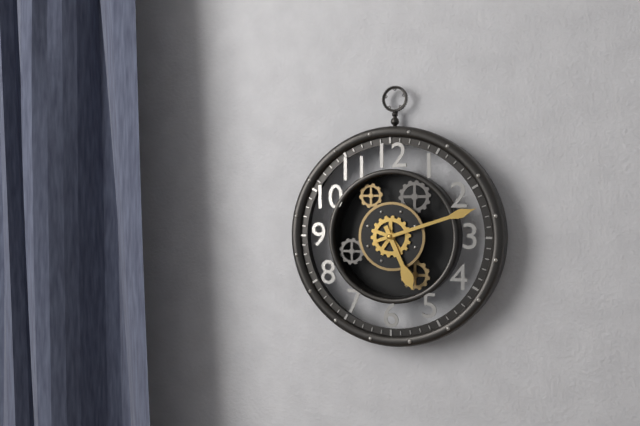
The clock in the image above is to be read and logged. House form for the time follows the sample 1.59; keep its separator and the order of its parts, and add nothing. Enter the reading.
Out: 5.12
